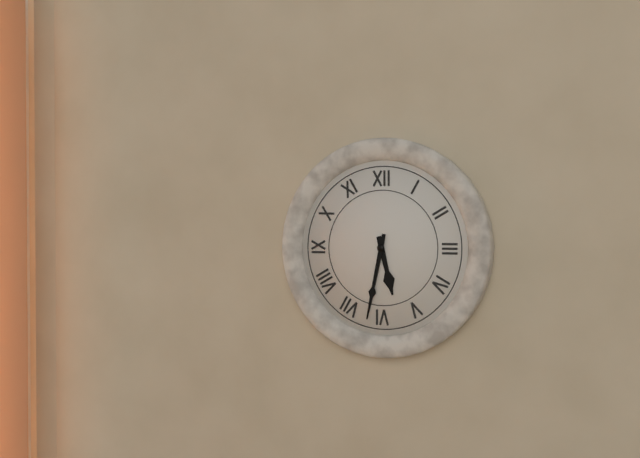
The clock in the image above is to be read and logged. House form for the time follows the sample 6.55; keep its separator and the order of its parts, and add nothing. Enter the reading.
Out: 5.32
